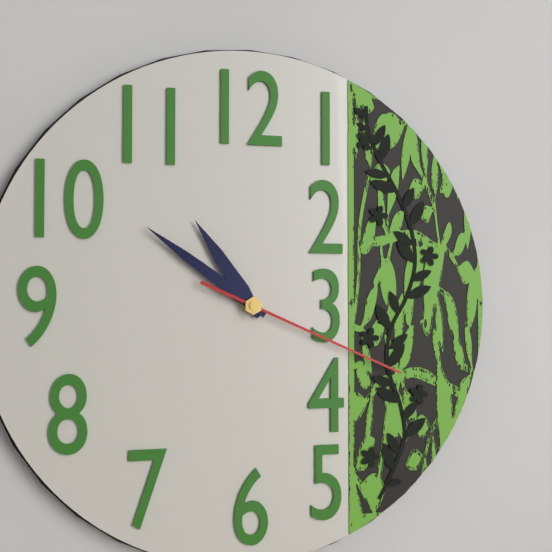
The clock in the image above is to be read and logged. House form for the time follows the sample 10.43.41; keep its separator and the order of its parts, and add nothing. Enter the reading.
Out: 10.51.19
